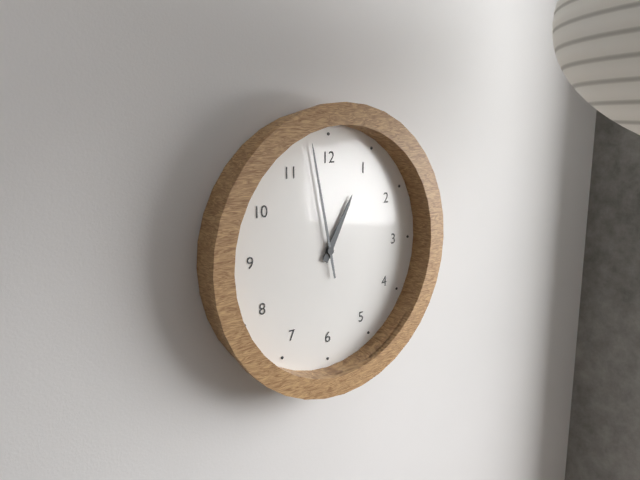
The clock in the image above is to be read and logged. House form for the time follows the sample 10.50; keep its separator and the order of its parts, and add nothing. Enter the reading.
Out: 12.58
